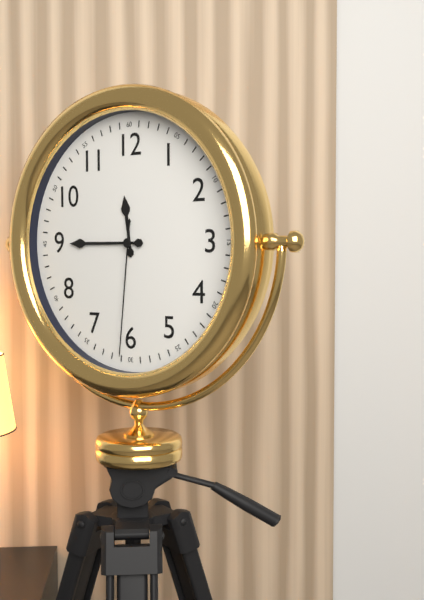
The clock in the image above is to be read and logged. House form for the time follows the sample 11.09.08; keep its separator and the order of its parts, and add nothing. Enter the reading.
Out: 11.45.31
